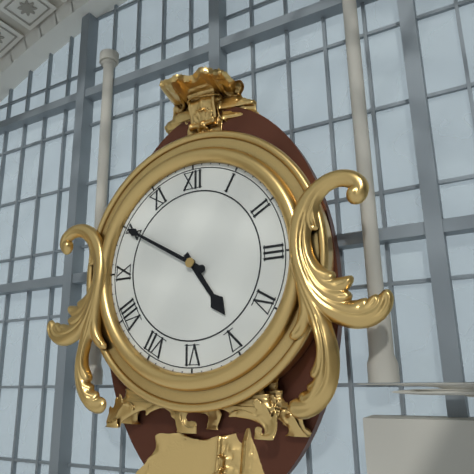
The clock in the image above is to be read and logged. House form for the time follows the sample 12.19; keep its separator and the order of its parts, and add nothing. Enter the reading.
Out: 4.50
